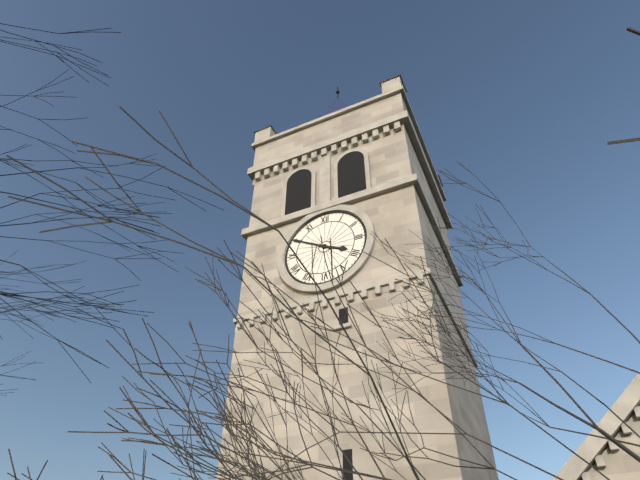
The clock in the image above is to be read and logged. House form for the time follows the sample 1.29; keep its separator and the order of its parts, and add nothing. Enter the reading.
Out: 3.50
